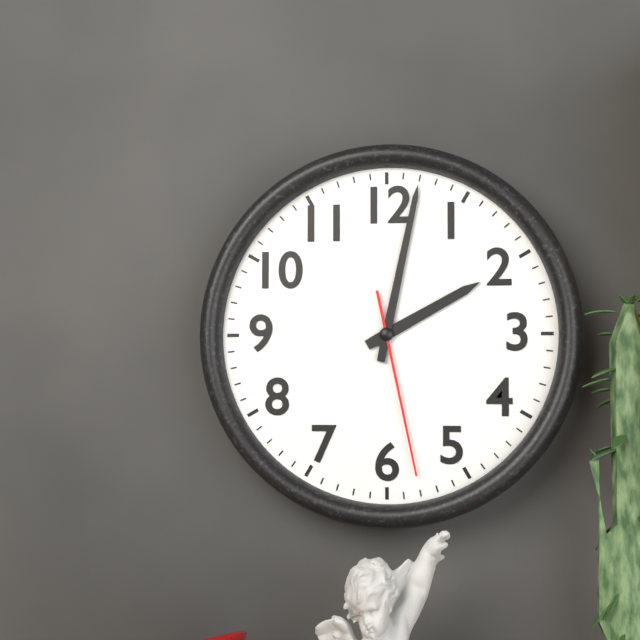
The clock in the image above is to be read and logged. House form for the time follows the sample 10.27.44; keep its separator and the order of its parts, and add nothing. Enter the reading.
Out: 2.02.28
